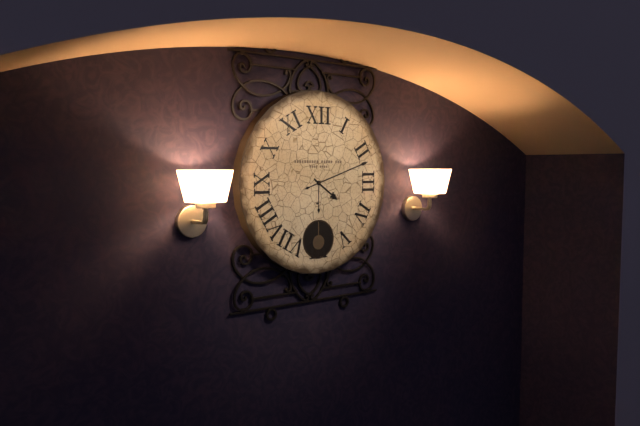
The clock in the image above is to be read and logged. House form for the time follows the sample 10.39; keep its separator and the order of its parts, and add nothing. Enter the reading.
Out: 4.12
